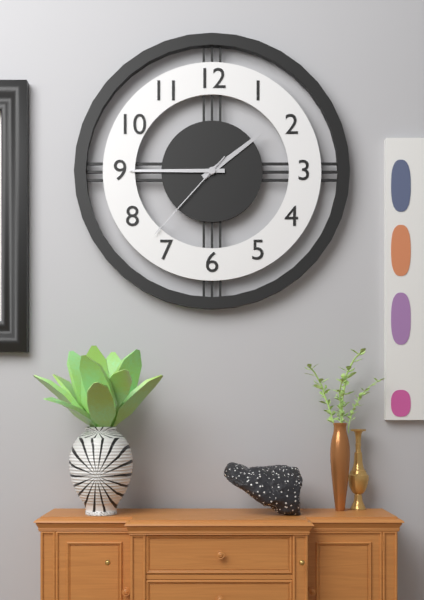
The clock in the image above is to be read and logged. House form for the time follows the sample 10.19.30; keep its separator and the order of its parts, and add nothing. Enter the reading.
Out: 1.45.37
